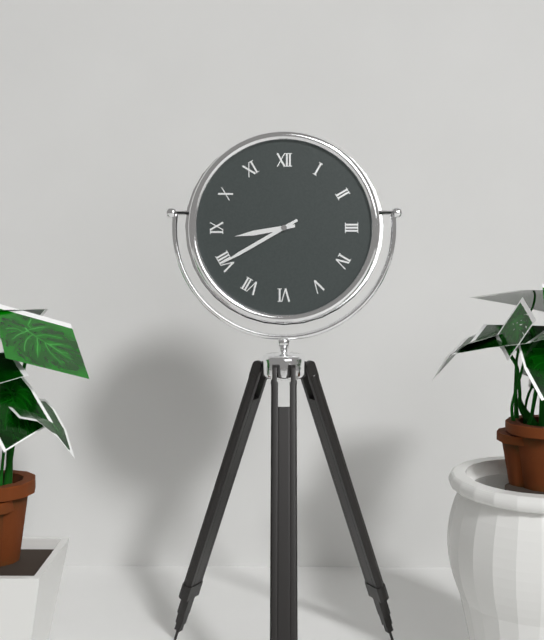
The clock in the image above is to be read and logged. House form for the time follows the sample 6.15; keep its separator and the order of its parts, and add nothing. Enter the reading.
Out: 8.40
